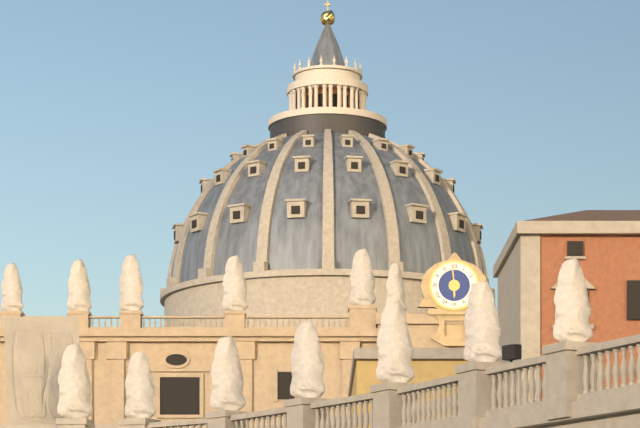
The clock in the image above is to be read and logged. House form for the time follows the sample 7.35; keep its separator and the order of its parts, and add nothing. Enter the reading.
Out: 5.59
